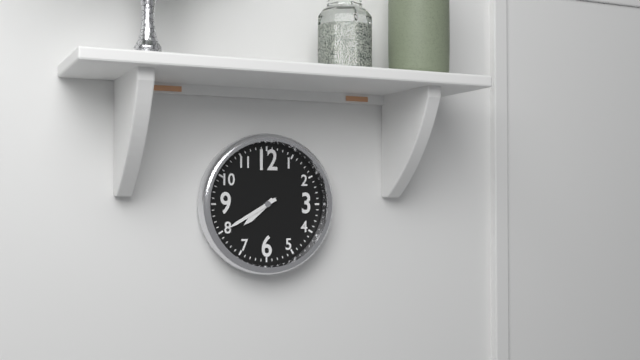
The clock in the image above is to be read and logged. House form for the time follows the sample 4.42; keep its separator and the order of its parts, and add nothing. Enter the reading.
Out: 7.40
